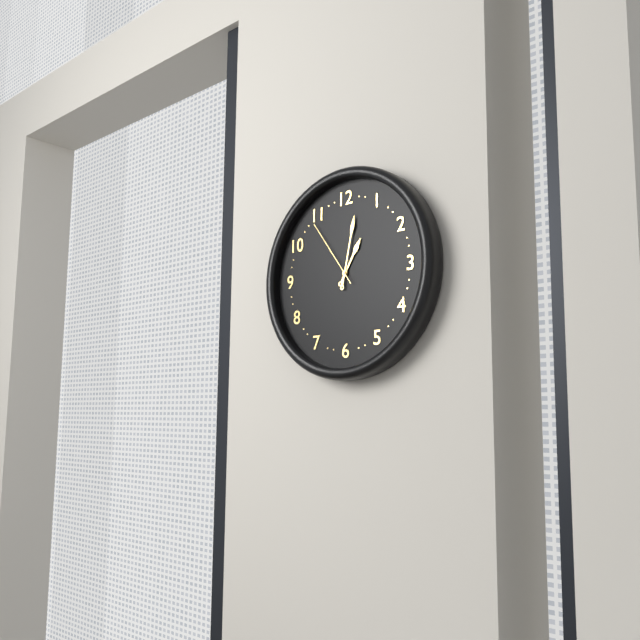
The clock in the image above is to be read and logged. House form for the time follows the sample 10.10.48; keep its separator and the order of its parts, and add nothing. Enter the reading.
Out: 1.02.54
